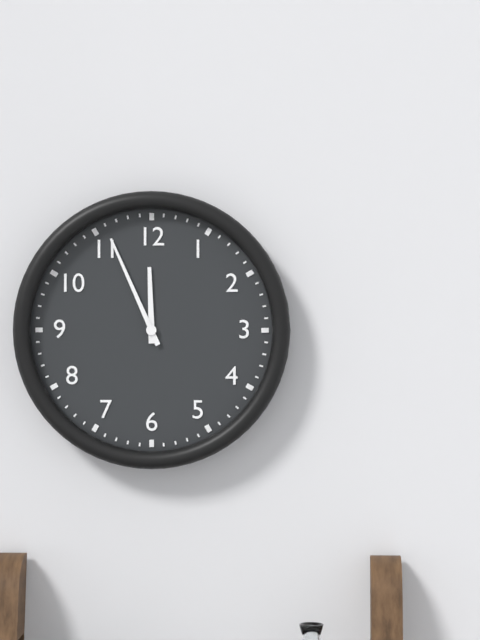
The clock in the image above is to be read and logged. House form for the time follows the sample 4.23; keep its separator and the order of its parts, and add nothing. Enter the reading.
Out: 11.56
